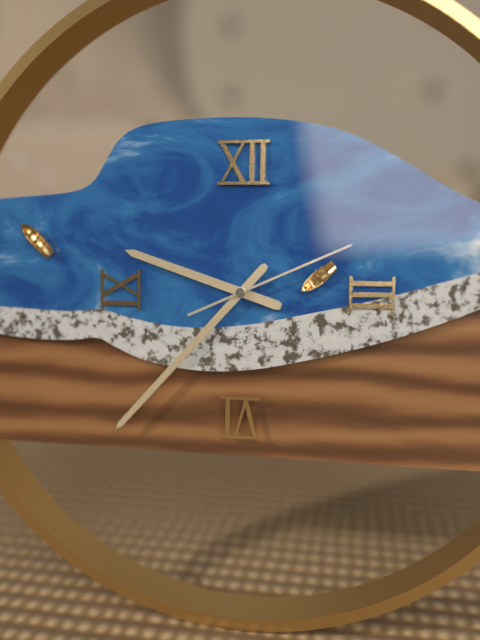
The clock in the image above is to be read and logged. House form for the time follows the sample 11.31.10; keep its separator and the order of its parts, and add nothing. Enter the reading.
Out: 9.37.11
